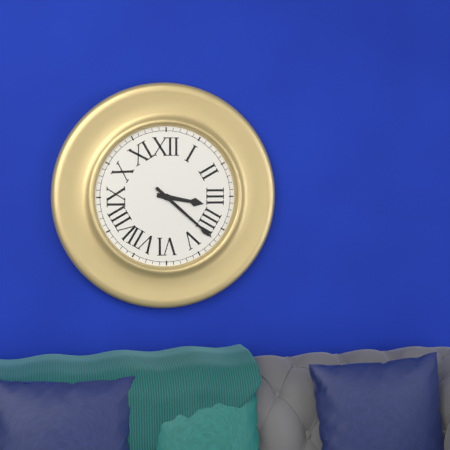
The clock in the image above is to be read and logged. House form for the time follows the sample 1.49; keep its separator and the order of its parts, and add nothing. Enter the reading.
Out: 3.22
